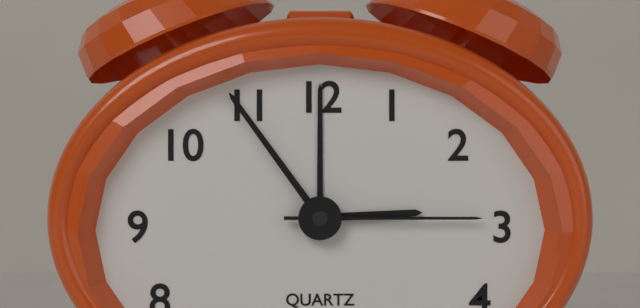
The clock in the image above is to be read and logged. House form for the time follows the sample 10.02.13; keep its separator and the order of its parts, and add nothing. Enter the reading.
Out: 2.54.15
